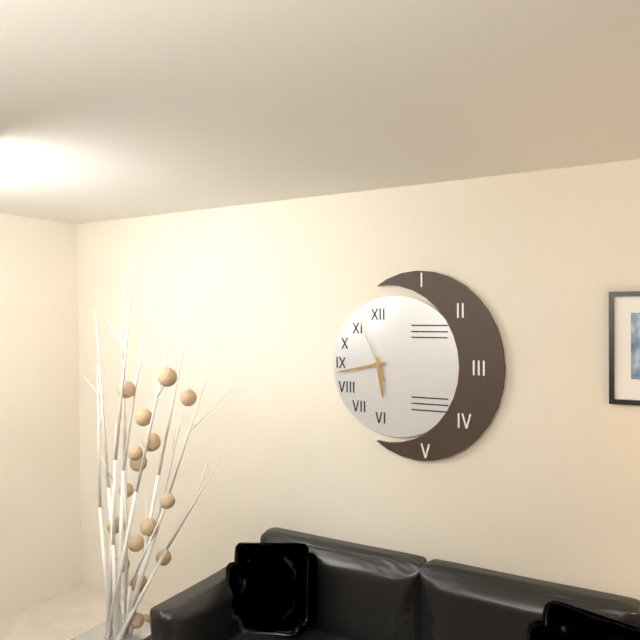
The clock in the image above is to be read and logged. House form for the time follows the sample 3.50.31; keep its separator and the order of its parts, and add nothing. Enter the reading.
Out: 5.43.56
